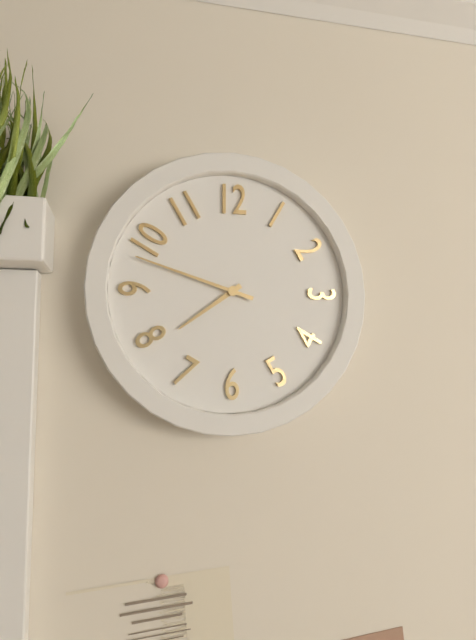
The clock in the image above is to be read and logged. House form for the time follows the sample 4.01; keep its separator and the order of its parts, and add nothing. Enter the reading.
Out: 7.48
